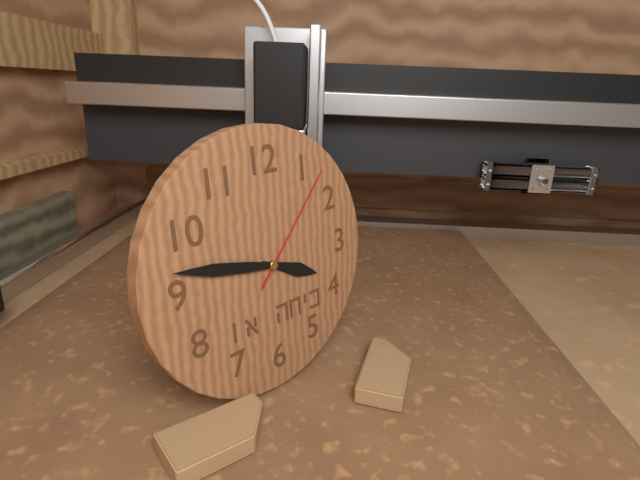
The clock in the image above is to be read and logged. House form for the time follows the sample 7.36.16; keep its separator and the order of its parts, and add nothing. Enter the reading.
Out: 3.47.07
